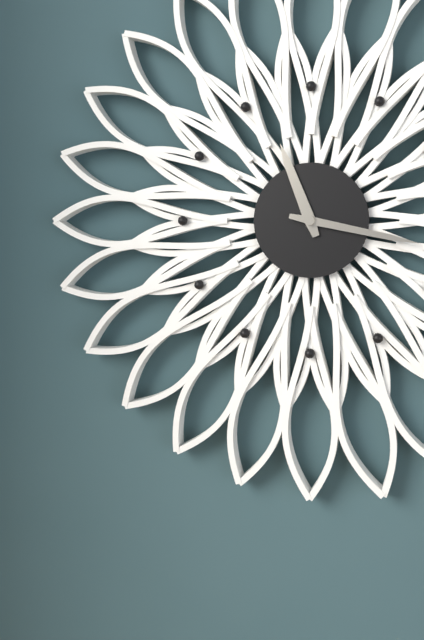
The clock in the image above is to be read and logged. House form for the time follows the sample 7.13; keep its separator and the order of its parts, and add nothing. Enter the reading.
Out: 11.17
